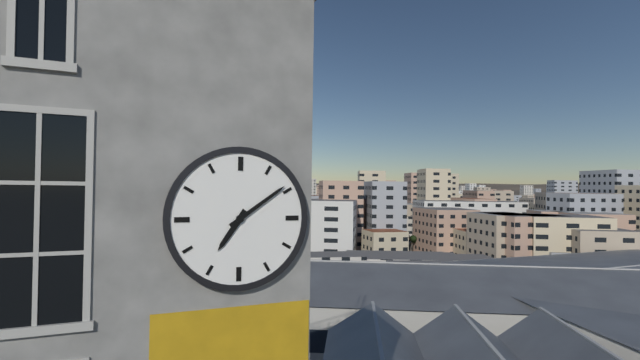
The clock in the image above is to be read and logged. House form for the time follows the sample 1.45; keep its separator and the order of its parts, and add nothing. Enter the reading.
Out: 7.09
